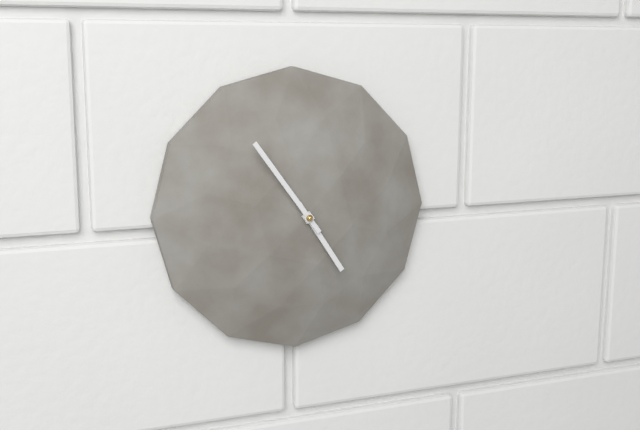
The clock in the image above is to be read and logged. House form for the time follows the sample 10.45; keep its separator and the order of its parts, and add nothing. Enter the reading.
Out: 4.54
